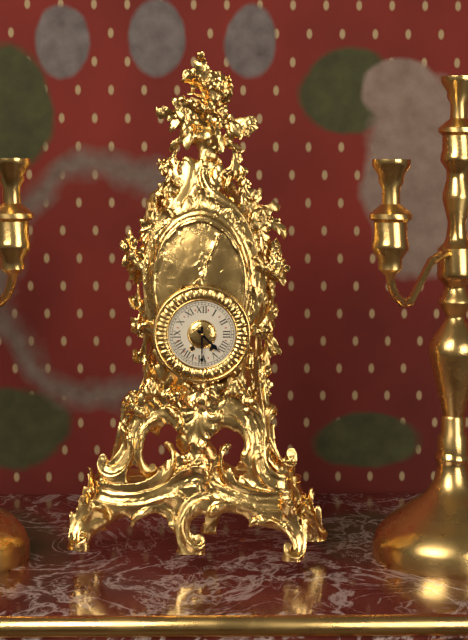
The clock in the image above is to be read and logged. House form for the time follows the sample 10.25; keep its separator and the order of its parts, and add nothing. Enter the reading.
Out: 4.30
